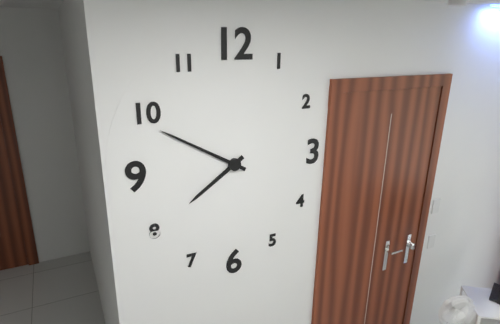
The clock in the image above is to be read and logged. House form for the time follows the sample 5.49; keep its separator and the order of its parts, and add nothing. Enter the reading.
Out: 7.50
